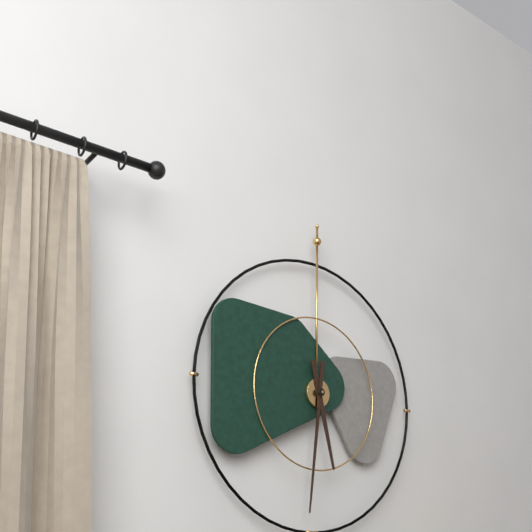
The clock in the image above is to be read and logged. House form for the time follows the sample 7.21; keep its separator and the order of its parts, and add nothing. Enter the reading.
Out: 5.31
